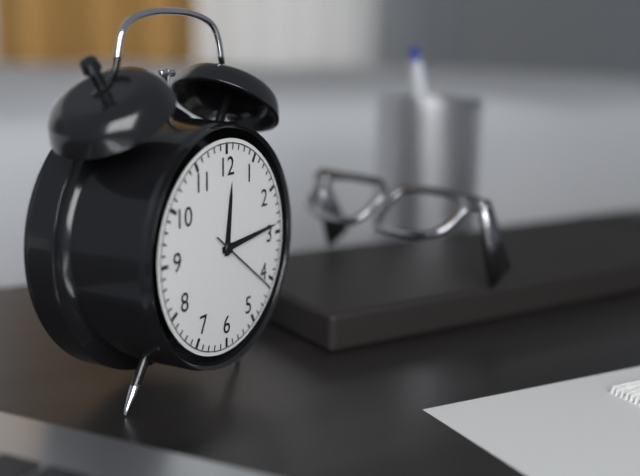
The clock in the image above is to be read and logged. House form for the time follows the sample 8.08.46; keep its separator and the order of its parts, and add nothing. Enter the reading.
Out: 12.14.21
